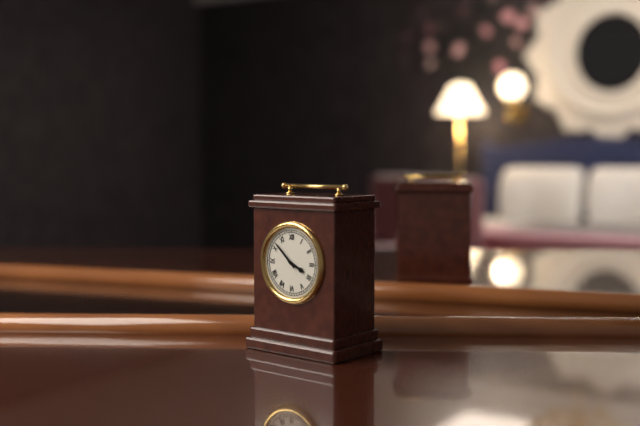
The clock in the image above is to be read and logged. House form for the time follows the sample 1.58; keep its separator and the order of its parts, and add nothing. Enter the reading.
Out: 3.52
